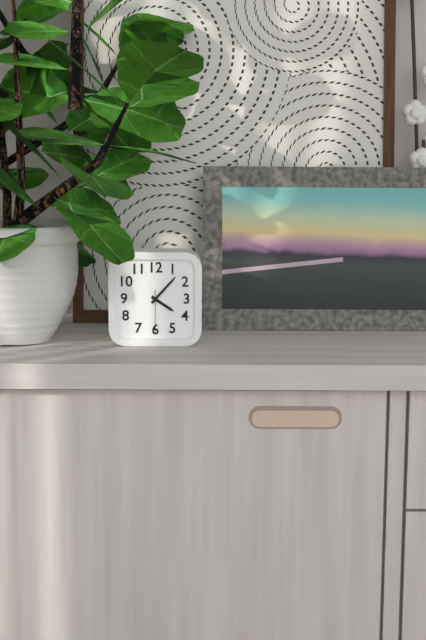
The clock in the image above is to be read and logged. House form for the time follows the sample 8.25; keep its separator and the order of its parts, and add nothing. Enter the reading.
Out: 4.07
